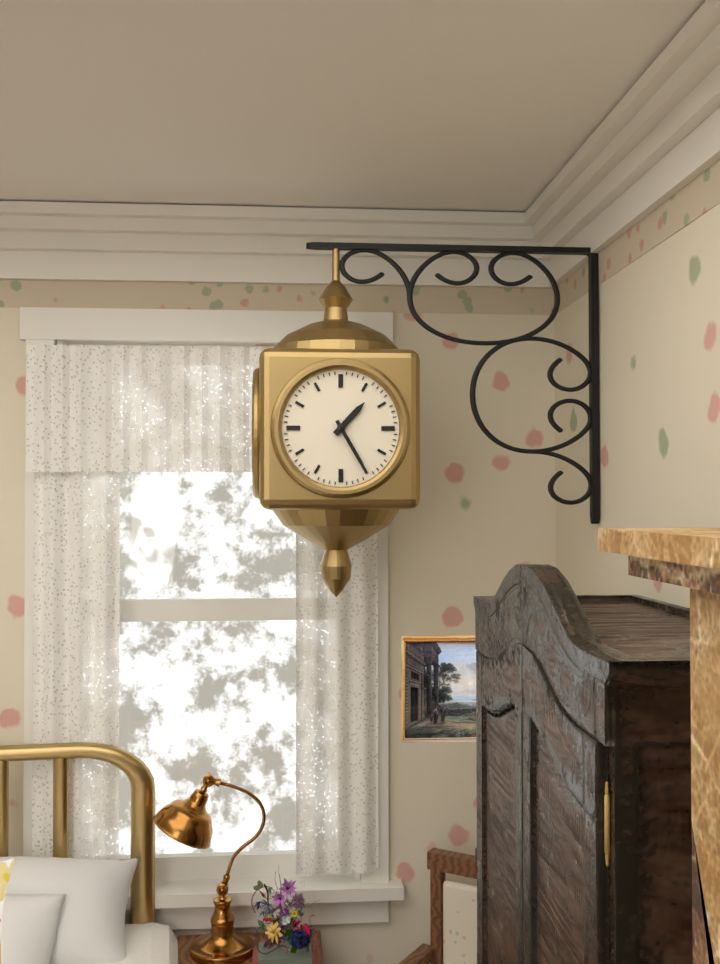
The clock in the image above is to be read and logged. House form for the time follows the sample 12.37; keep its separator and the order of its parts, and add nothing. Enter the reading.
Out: 1.25
